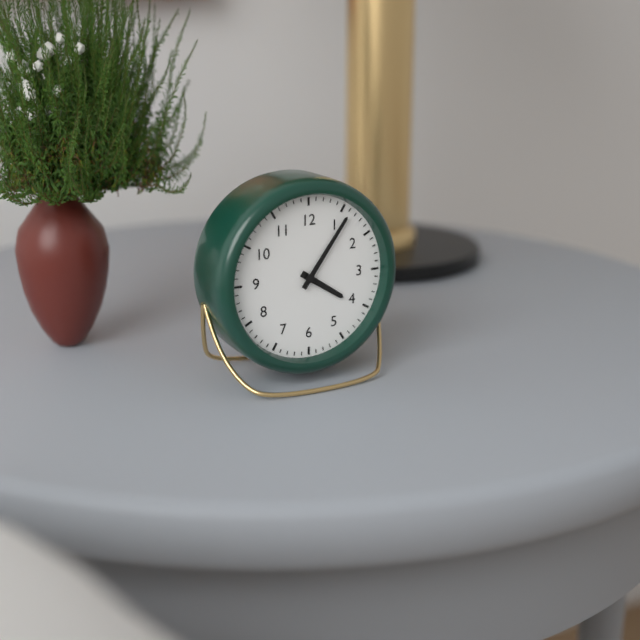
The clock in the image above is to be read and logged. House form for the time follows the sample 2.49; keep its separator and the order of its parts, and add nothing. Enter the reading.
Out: 4.06
